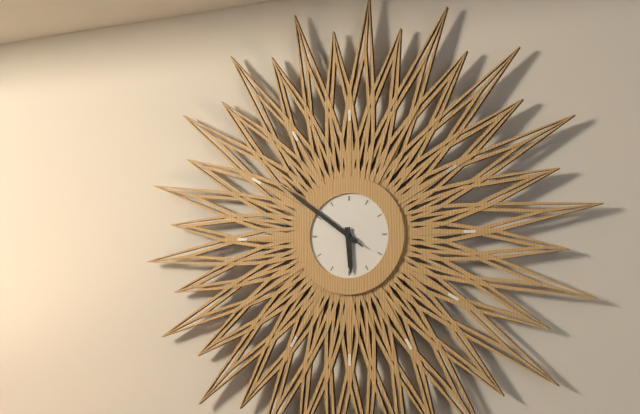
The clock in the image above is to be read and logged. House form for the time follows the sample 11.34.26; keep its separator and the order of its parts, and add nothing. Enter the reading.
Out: 5.51.51
